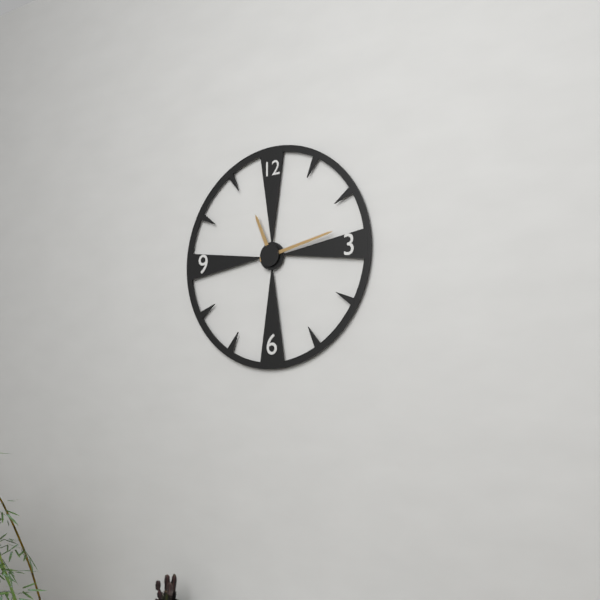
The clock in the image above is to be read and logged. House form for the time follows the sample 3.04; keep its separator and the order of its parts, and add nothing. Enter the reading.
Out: 11.13
